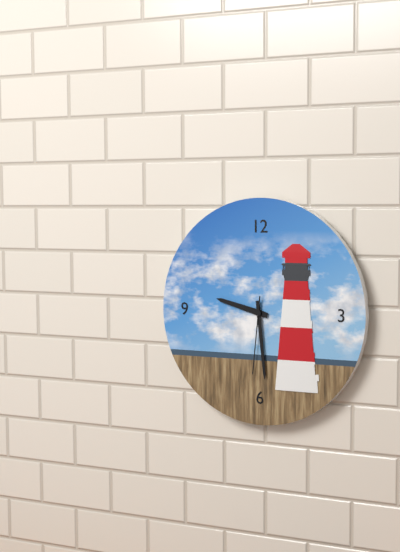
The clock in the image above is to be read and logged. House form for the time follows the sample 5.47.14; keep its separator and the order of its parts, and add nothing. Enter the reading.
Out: 9.29.31
